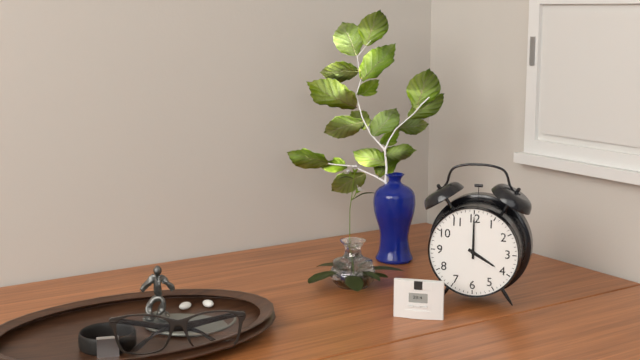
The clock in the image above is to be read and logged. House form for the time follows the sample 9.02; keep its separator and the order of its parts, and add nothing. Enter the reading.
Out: 4.00
